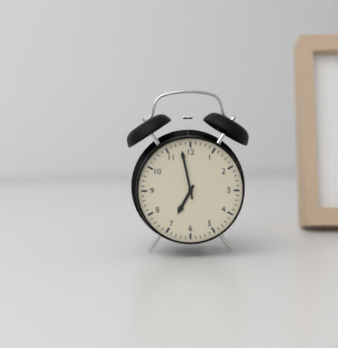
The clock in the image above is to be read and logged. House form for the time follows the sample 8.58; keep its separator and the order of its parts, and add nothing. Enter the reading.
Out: 6.58
